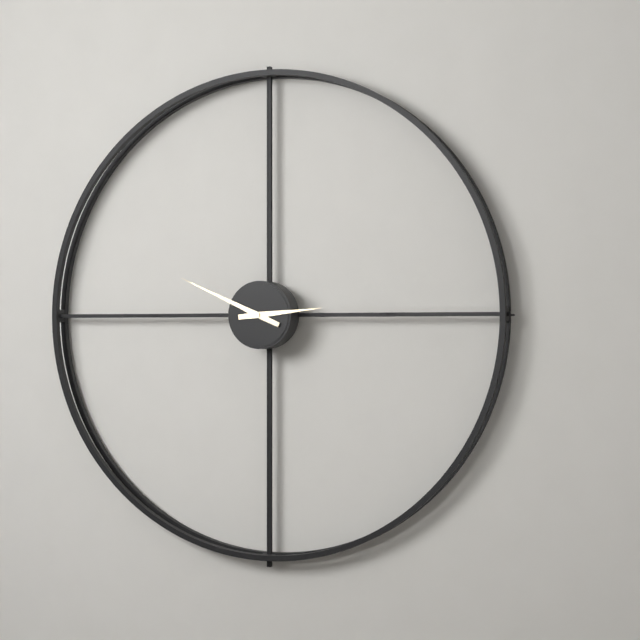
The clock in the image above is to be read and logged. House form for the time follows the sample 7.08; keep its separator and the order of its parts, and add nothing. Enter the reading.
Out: 2.49
